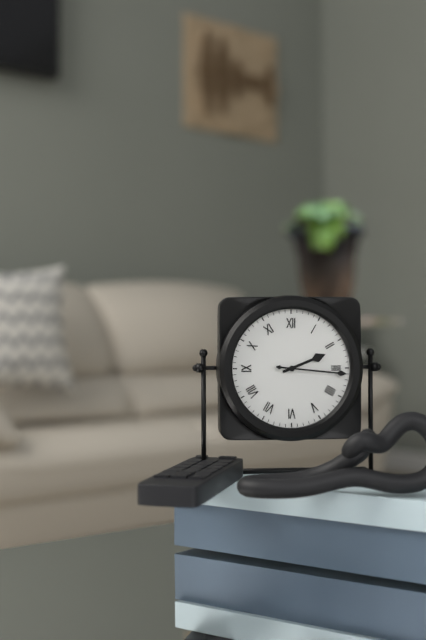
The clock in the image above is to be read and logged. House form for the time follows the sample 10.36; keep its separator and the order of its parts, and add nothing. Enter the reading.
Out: 2.16
